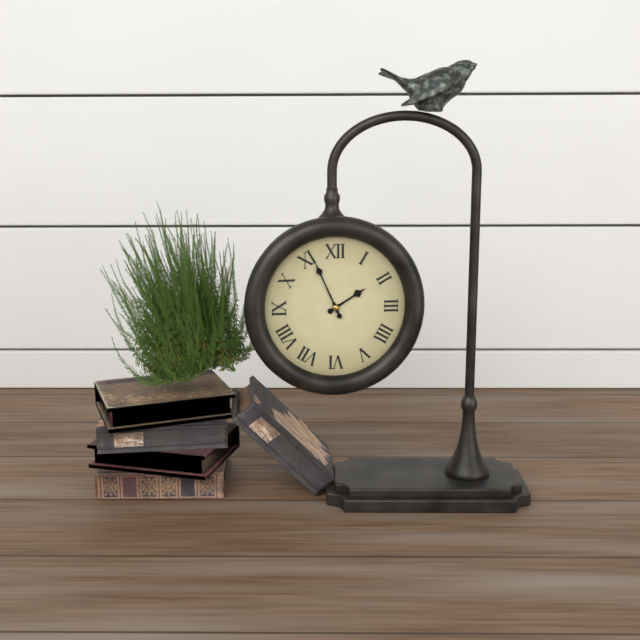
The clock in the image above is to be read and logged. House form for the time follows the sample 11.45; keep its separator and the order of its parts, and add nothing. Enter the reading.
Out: 1.56
